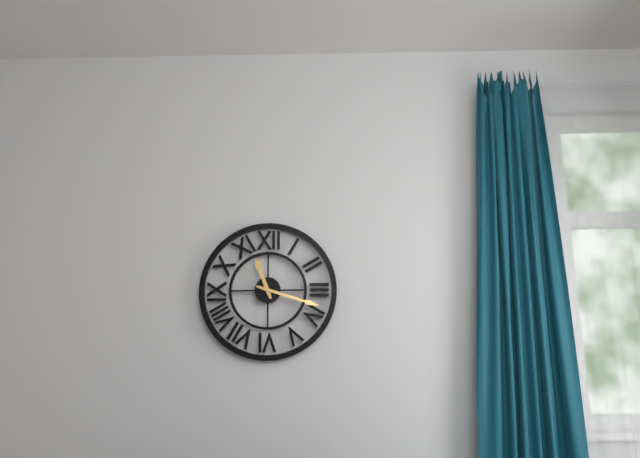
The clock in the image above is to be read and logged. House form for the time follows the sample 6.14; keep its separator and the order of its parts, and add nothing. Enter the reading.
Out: 11.18
